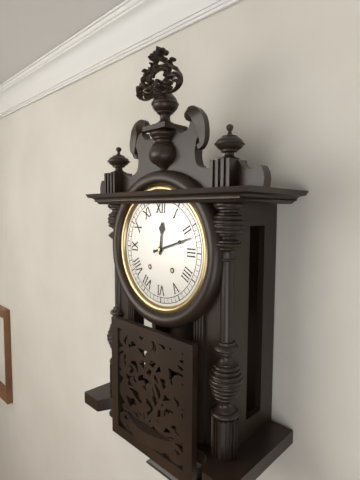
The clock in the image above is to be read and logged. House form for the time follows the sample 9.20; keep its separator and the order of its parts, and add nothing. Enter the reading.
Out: 12.12
